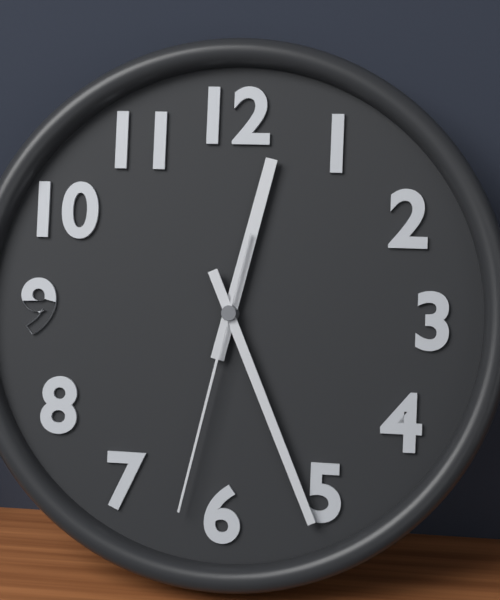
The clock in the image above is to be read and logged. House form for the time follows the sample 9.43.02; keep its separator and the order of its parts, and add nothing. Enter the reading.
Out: 12.26.32
